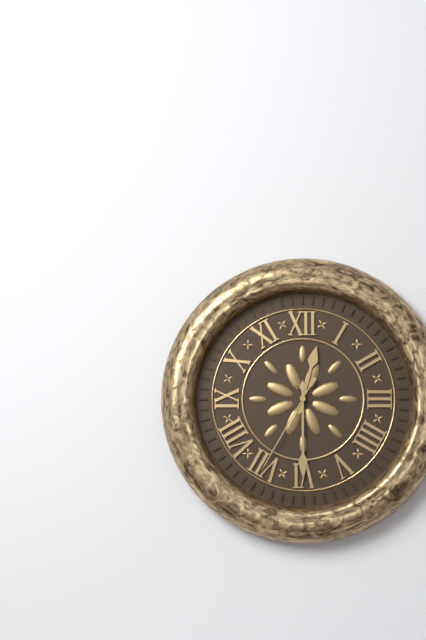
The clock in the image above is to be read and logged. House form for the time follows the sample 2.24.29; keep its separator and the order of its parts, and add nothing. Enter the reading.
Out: 12.30.35
